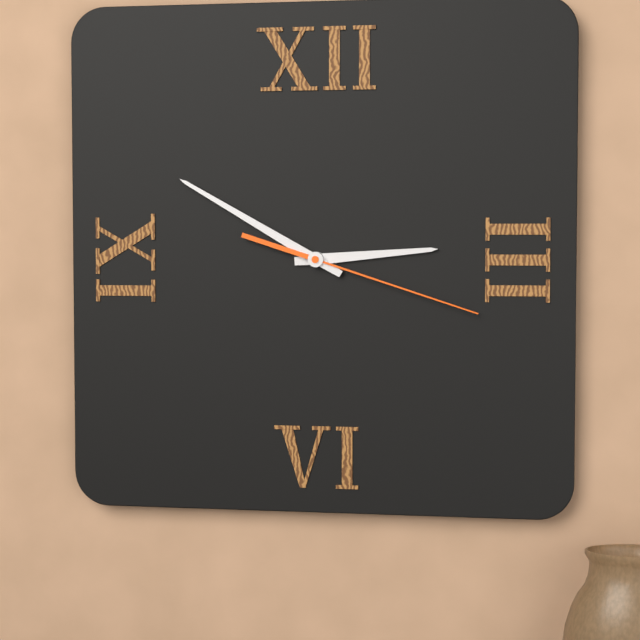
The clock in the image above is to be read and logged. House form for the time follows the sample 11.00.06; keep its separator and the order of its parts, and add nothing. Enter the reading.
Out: 2.50.18
